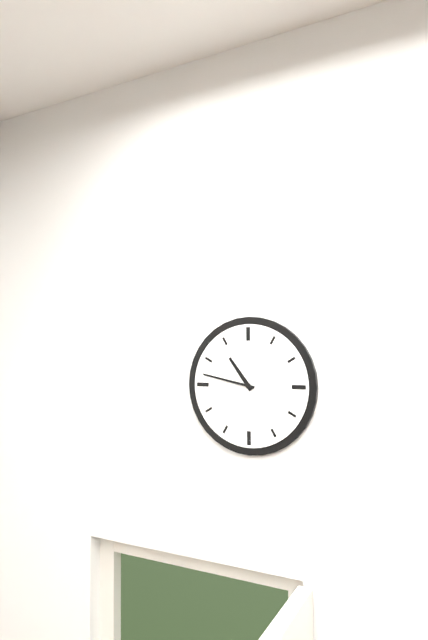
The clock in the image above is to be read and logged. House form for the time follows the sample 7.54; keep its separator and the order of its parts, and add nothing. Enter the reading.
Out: 10.47
